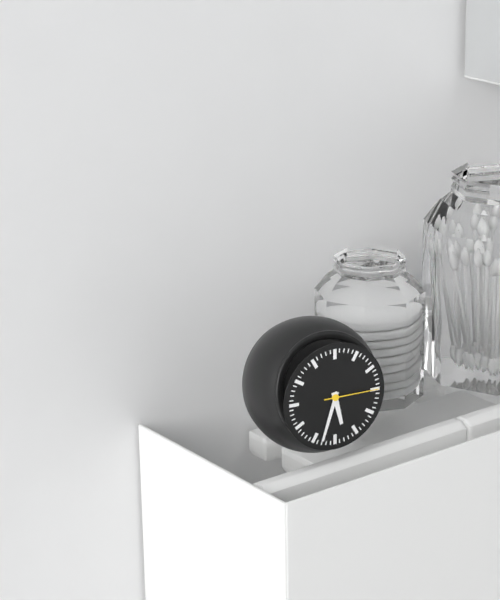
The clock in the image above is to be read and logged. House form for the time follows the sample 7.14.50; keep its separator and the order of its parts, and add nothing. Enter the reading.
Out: 5.33.15
